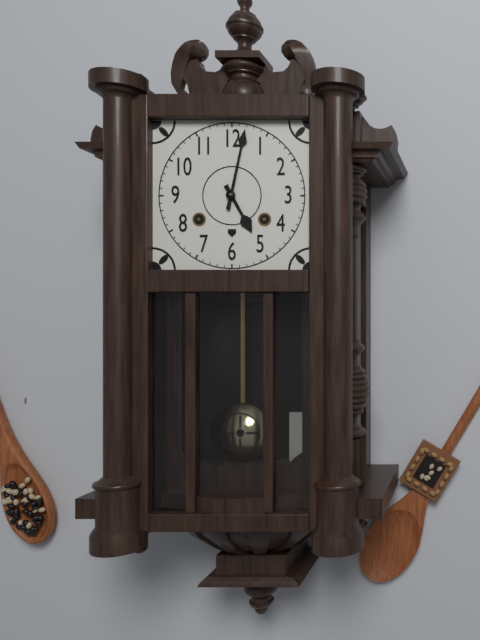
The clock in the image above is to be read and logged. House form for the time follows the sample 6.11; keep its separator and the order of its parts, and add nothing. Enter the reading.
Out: 5.02
